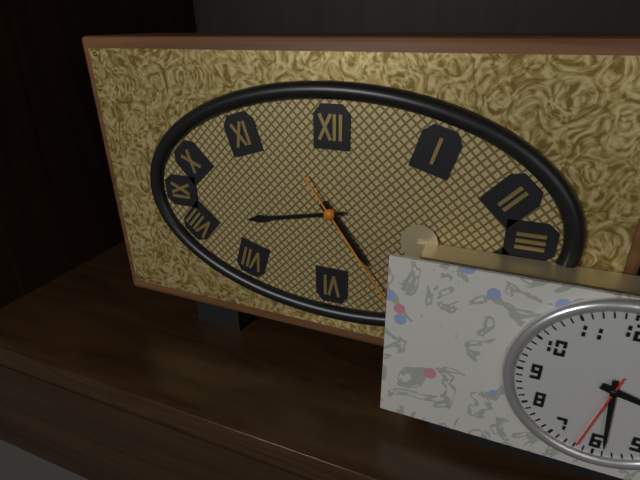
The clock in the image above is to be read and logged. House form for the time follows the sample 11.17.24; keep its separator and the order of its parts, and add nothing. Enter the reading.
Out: 4.43.24
